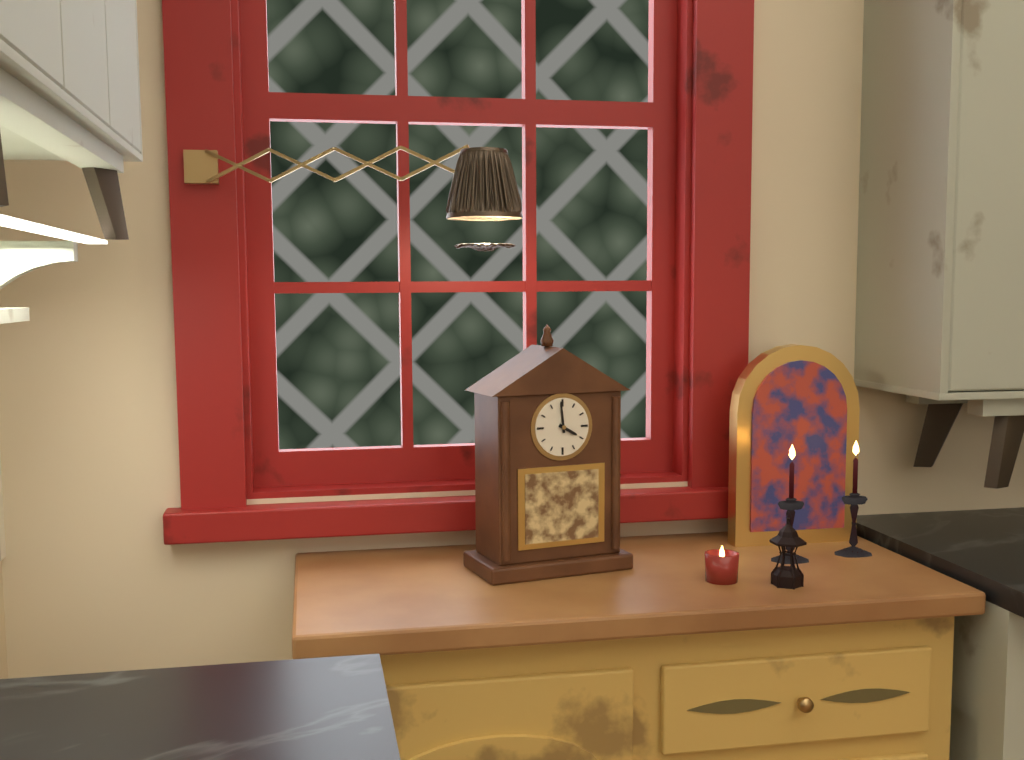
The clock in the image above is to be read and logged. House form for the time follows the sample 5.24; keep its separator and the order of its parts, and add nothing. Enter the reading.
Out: 3.59
